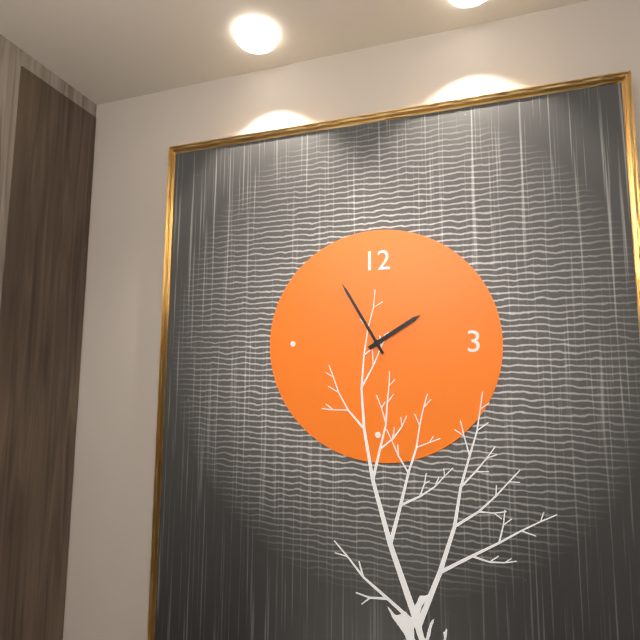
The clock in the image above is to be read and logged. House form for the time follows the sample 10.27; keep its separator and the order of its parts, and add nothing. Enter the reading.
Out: 1.55
